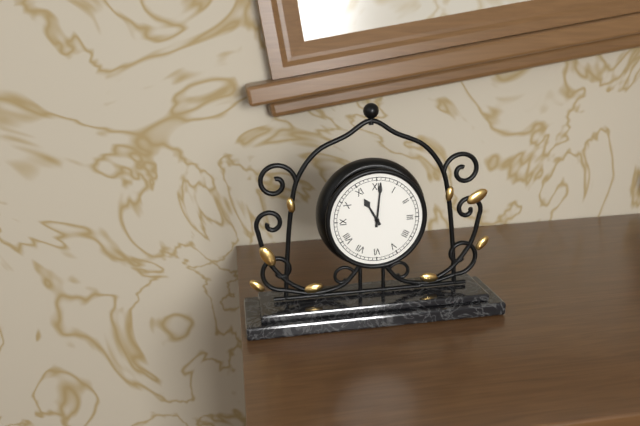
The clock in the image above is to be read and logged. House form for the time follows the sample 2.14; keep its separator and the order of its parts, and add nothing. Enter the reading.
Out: 11.01
